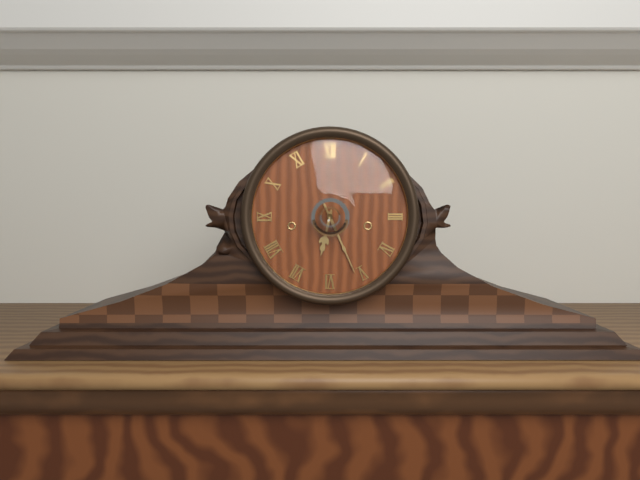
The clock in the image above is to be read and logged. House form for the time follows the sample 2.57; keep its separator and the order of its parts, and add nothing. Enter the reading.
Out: 6.26
